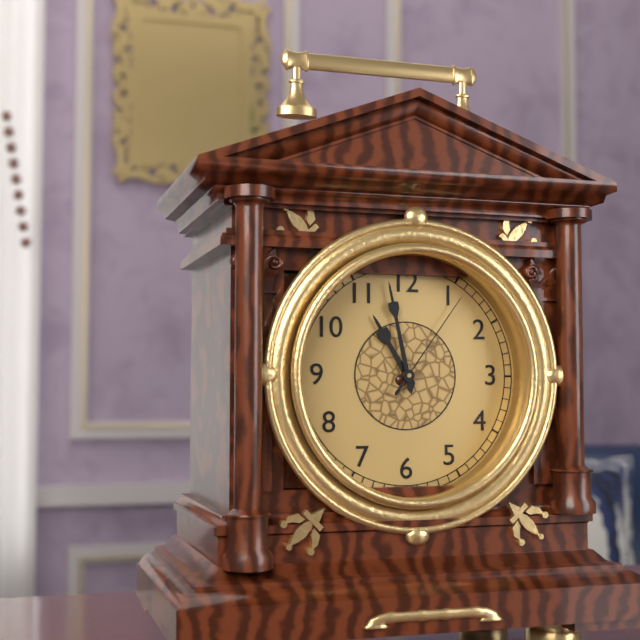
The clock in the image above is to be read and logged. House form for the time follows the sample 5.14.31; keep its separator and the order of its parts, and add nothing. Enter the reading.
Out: 10.58.06
